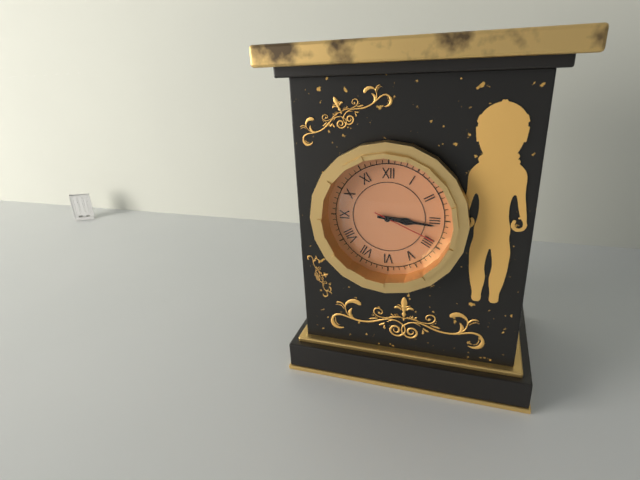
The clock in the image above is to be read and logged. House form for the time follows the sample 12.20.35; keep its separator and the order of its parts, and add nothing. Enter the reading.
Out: 3.16.19
